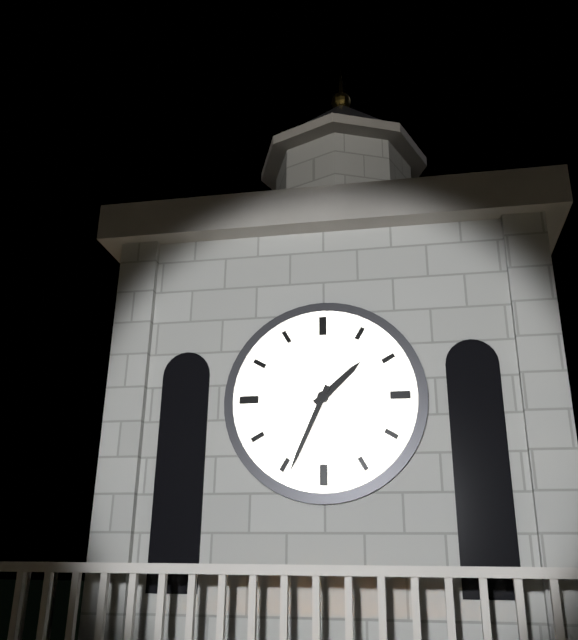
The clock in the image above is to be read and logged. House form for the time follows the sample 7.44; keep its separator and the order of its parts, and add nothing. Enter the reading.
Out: 1.34
